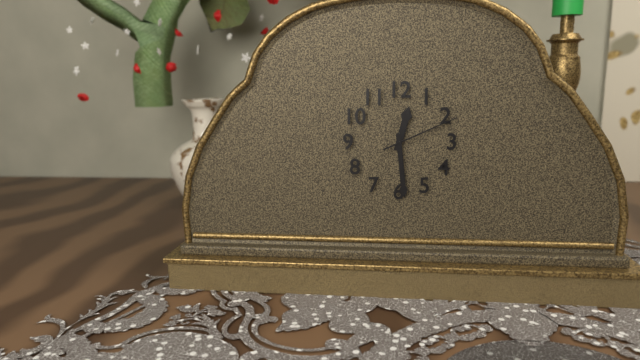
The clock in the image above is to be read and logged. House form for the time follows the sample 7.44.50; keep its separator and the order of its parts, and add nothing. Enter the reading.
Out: 12.29.11
